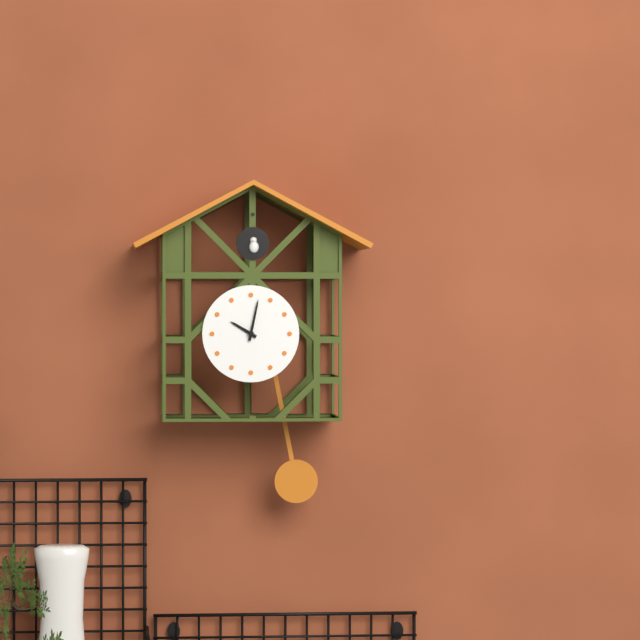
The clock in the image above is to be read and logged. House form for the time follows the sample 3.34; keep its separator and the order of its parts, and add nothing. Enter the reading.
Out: 10.02
